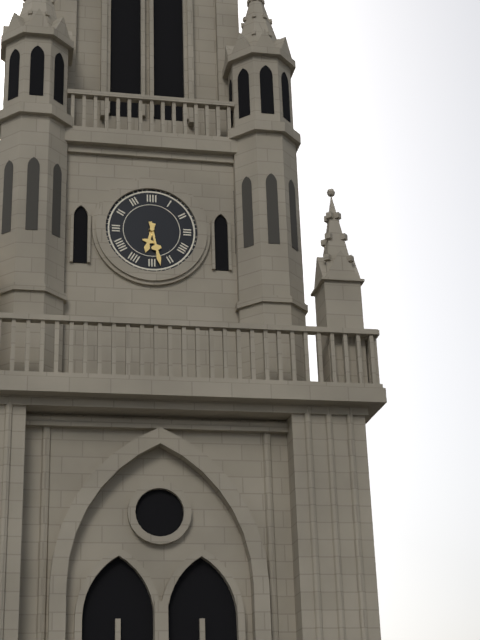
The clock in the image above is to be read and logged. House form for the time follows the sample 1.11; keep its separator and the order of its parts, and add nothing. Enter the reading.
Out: 6.28
